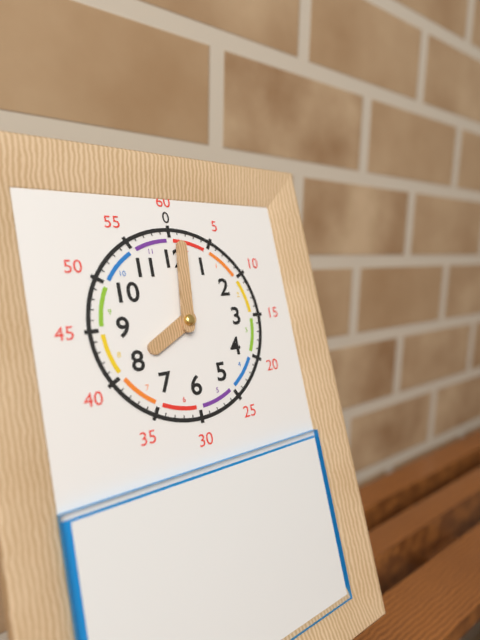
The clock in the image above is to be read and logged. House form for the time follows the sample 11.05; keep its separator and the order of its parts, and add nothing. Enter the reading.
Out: 8.01
